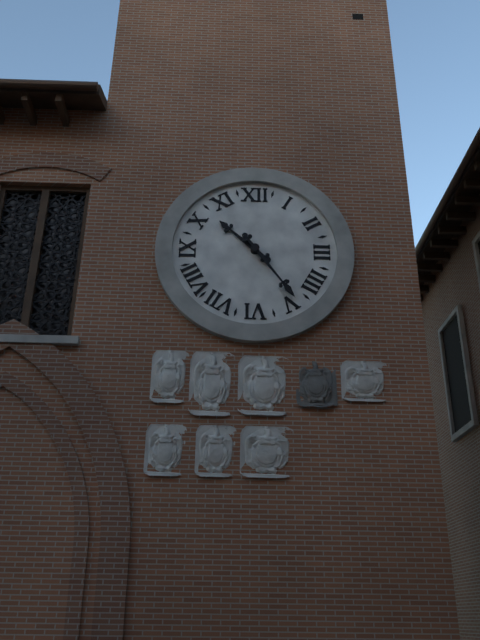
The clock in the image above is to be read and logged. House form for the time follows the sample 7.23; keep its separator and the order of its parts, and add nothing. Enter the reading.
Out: 10.24
